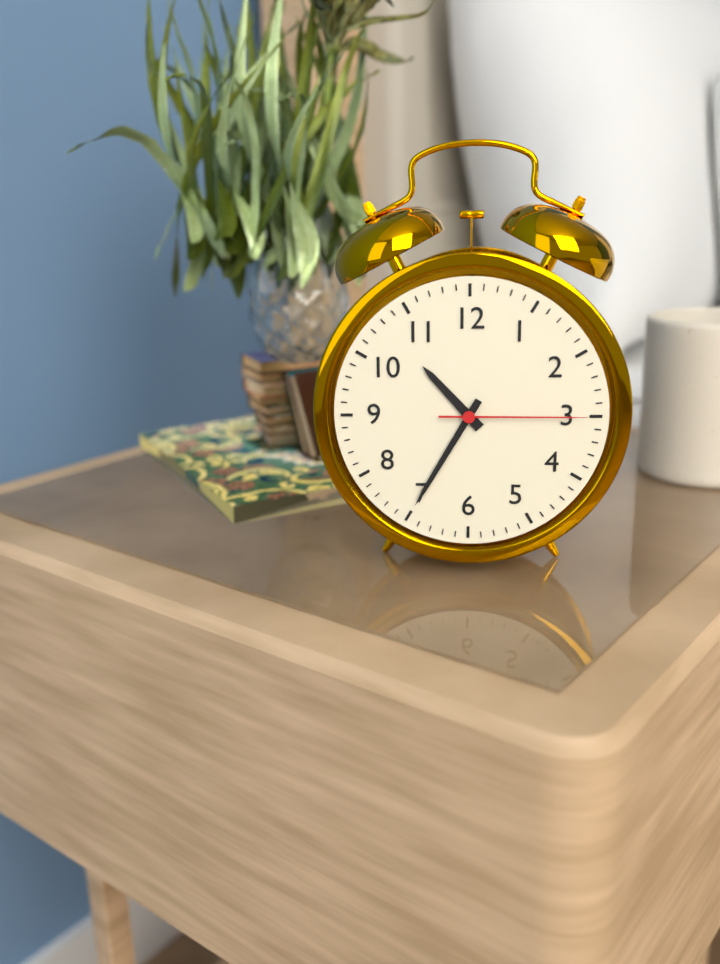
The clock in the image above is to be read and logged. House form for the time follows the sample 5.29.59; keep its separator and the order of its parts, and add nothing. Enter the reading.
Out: 10.35.15
